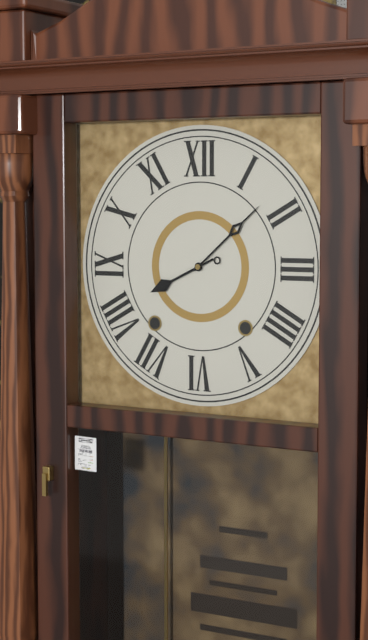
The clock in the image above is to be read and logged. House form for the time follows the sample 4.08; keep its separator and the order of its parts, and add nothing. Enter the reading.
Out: 8.08
